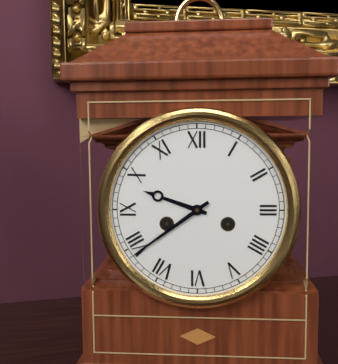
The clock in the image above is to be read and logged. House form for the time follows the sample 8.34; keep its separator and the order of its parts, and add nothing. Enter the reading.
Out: 9.39
